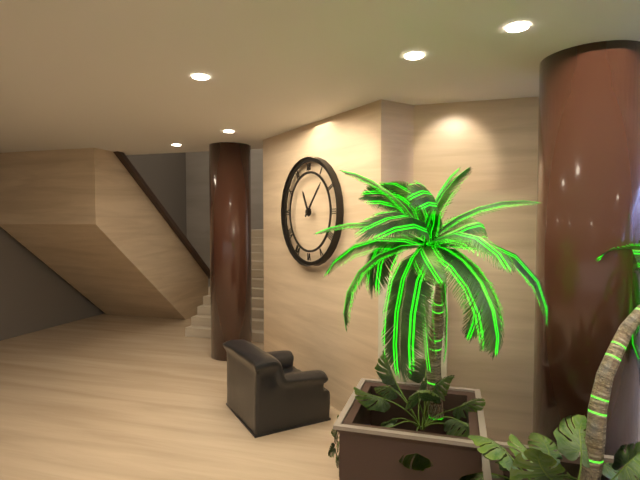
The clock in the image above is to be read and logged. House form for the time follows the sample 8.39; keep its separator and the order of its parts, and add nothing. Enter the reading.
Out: 11.07
